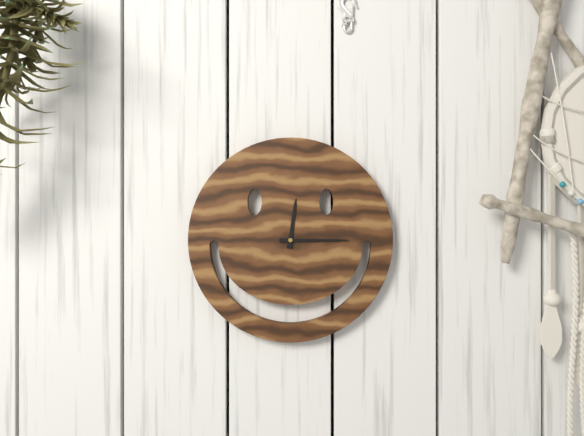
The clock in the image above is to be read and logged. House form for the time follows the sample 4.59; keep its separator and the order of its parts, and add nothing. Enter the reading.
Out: 12.15
